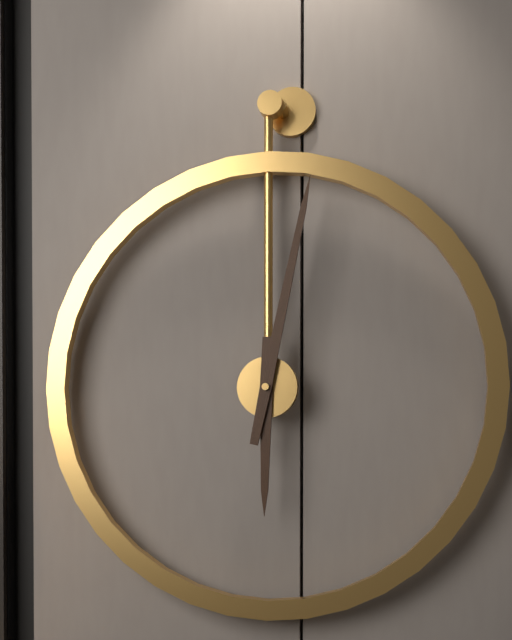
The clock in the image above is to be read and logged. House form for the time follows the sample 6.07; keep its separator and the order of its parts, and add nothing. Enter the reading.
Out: 6.02
